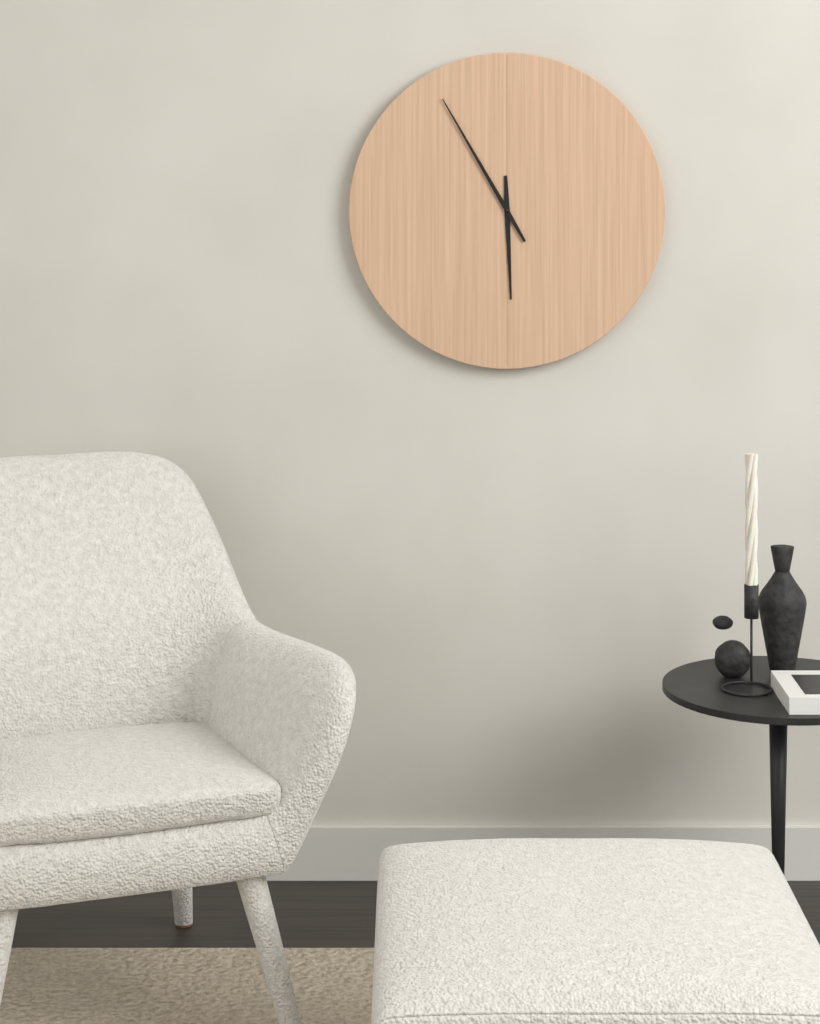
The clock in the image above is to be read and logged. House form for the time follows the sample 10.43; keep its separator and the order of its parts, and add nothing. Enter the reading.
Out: 5.55
